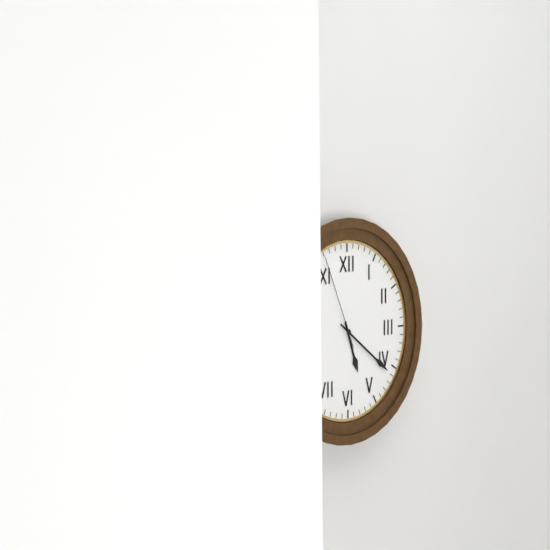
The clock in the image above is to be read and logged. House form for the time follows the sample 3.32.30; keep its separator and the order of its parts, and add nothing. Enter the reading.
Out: 5.21.56
